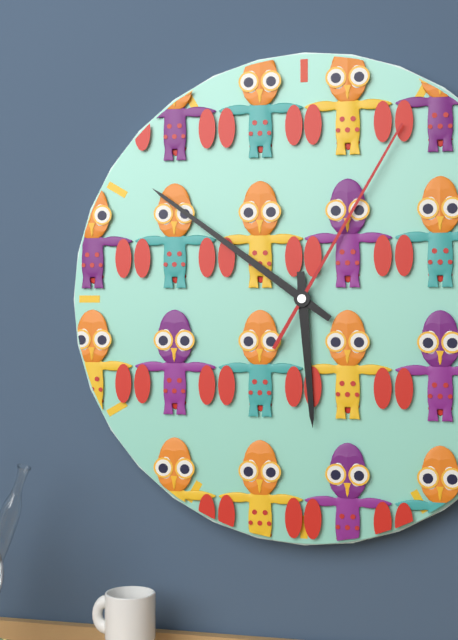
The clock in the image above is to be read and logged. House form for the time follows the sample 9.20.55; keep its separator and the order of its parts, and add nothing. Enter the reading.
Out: 5.51.05
